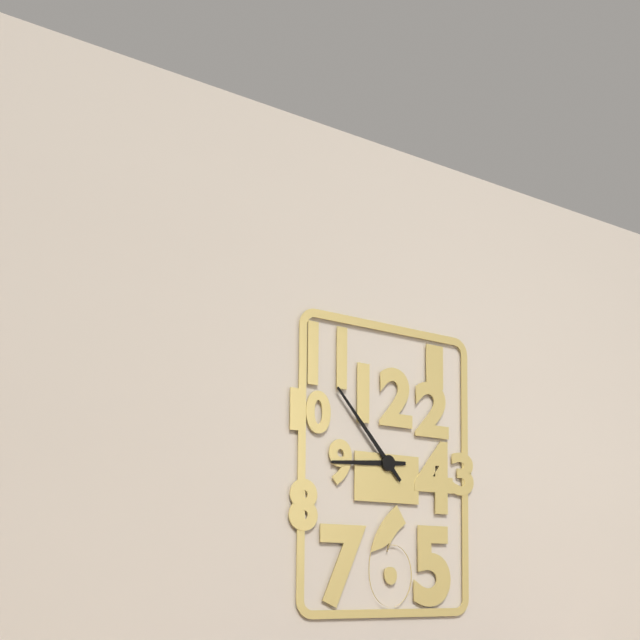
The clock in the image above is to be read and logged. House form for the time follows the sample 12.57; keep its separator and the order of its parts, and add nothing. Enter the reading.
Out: 8.53
